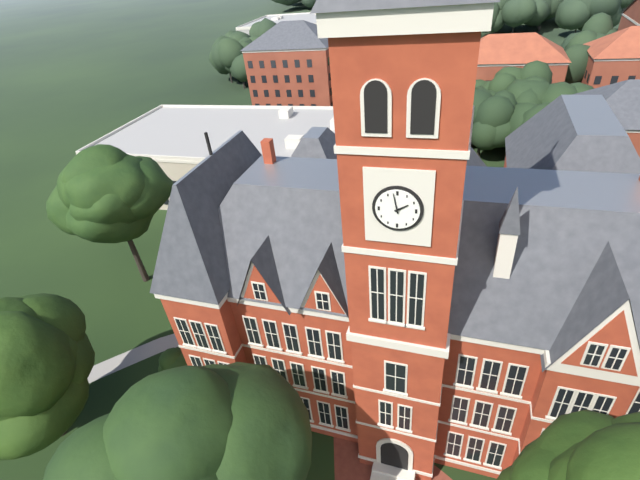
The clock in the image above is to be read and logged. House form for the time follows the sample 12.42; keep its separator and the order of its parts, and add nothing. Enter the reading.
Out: 1.58
